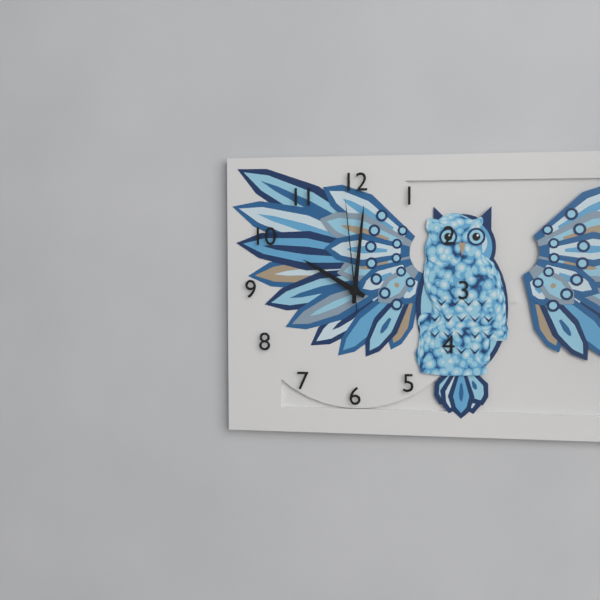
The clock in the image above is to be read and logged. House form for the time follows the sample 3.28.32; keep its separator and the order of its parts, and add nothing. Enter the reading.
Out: 10.01.59
